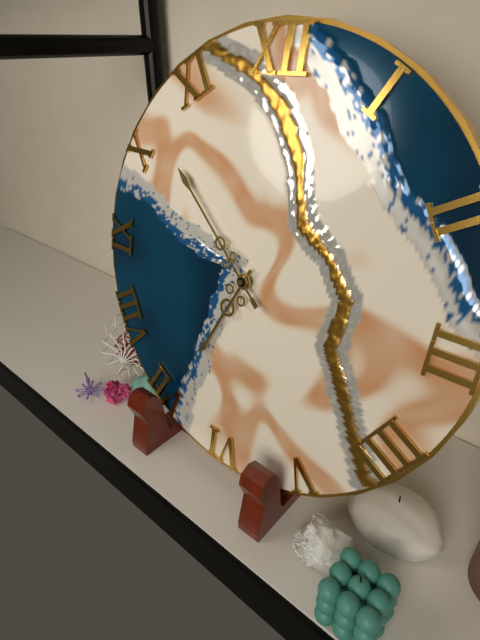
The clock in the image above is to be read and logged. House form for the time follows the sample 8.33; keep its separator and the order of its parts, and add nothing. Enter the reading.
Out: 6.52
